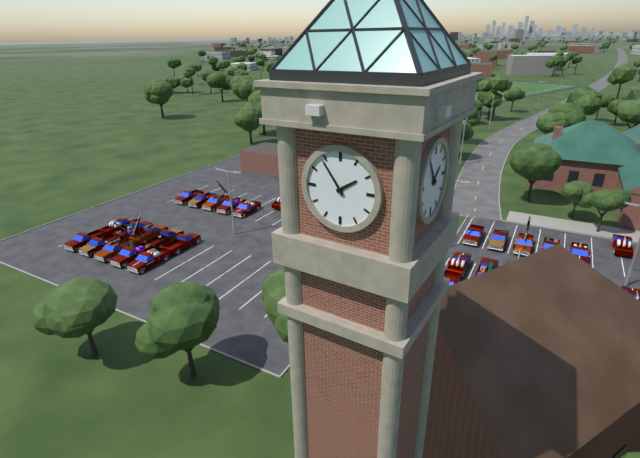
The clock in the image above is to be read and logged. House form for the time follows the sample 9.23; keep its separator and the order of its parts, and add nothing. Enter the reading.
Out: 1.54
